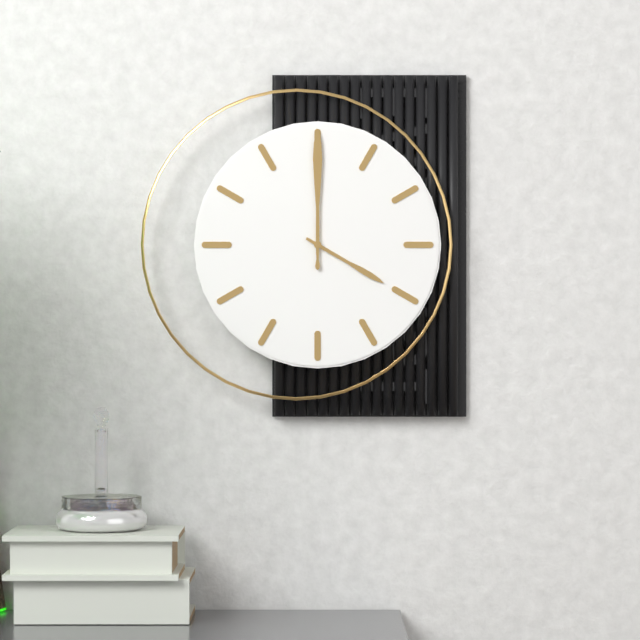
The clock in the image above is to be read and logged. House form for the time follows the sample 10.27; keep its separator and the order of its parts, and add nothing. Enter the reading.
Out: 4.00
